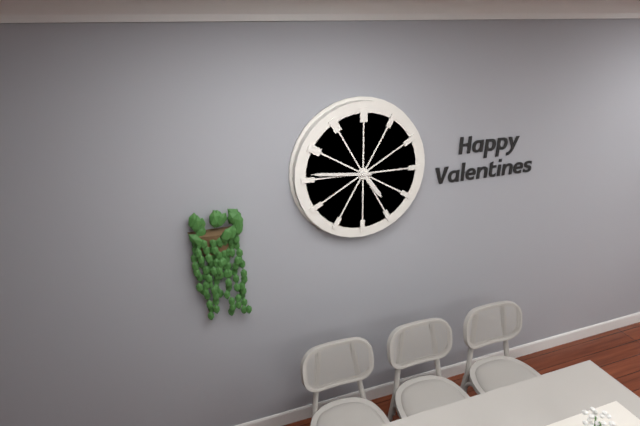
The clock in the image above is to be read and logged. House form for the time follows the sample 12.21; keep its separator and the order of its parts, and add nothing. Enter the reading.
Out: 4.46
